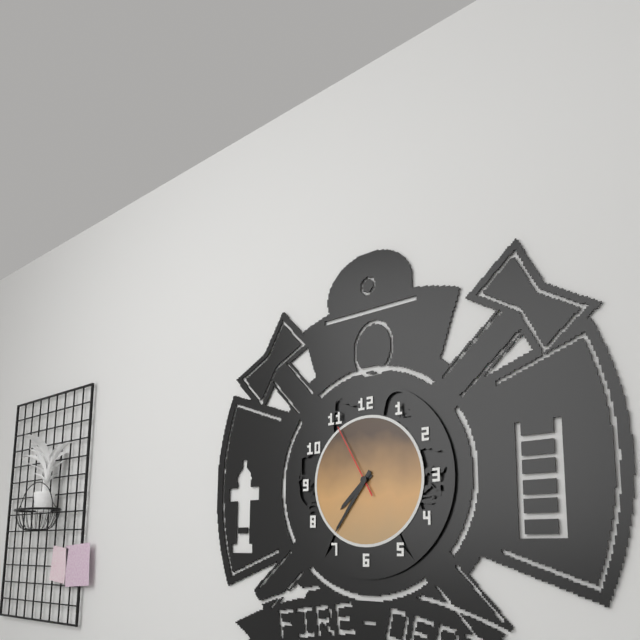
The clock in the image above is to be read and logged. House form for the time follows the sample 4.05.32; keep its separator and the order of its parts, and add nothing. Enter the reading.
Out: 7.36.55
